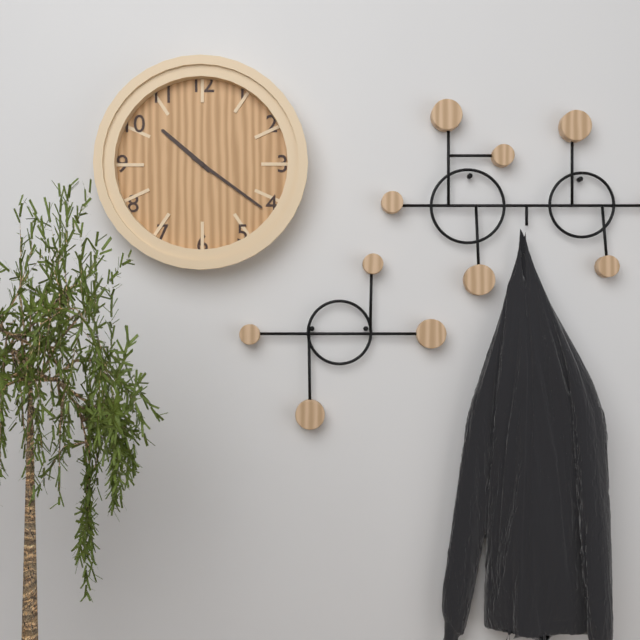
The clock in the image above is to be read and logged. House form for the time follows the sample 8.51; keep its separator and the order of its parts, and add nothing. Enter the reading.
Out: 10.21
